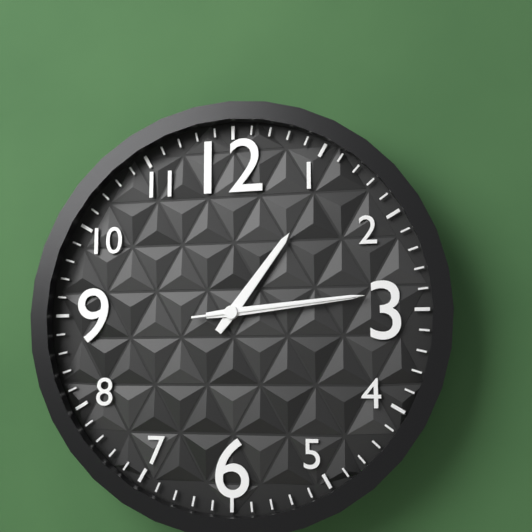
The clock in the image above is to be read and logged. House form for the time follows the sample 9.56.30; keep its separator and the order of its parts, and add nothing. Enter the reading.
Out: 1.14.14
